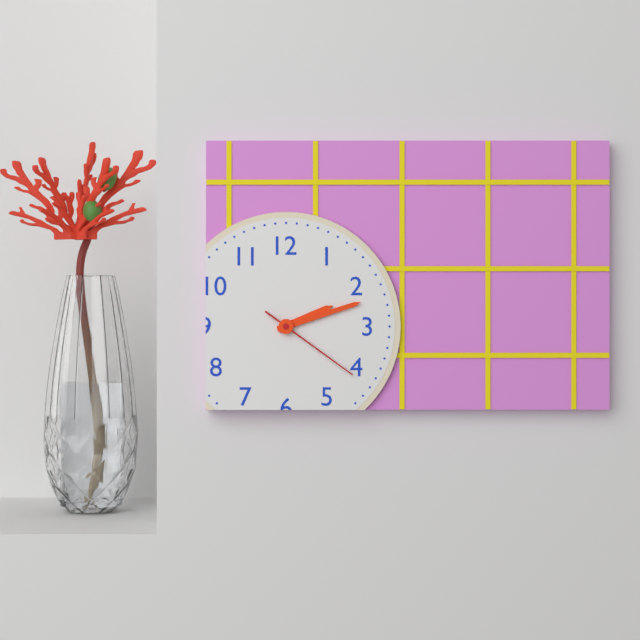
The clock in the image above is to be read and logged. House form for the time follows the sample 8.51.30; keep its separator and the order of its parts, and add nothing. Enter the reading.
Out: 2.12.21
